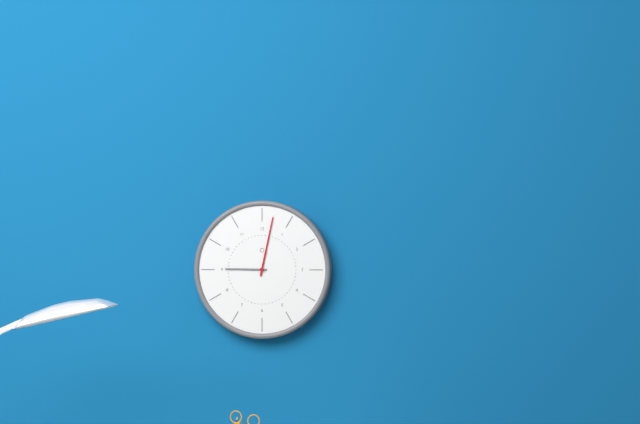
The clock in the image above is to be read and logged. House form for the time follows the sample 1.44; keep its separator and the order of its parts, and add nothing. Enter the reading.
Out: 9.02
